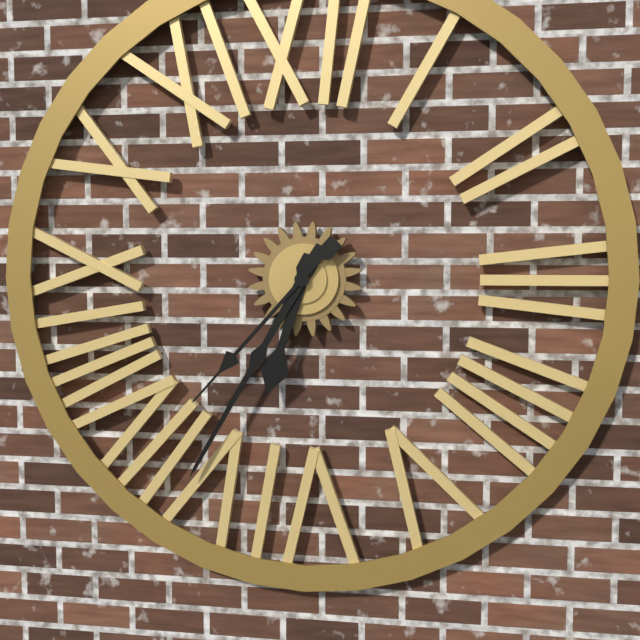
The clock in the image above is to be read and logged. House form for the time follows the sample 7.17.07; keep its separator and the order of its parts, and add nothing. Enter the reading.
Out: 6.35.37
